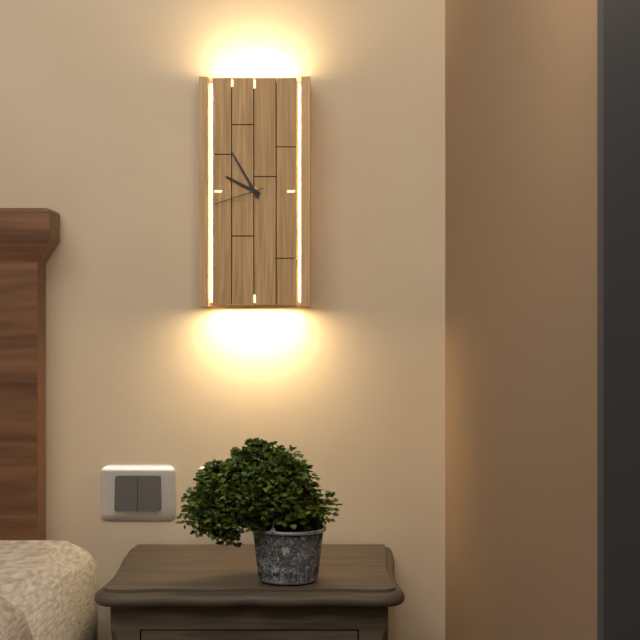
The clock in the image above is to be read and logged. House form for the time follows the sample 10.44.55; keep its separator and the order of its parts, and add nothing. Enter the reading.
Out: 9.55.42
